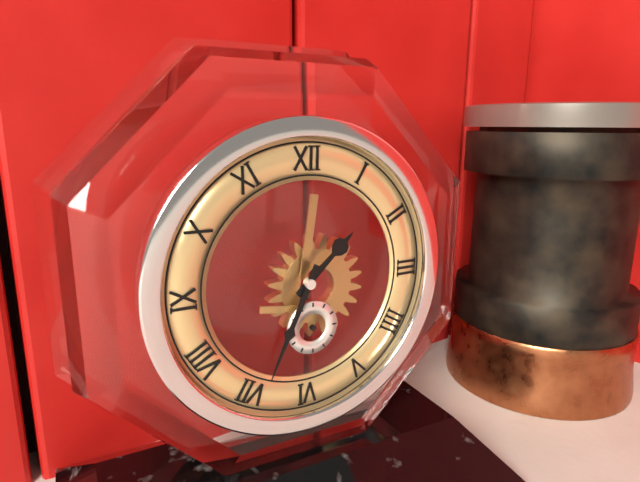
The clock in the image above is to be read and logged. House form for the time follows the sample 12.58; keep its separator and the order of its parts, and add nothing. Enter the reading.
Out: 1.34
